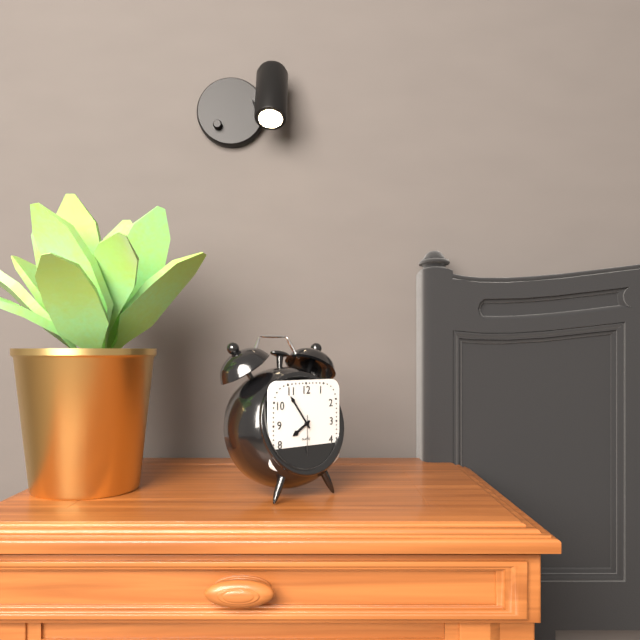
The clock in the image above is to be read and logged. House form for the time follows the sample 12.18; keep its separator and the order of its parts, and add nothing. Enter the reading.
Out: 7.54
